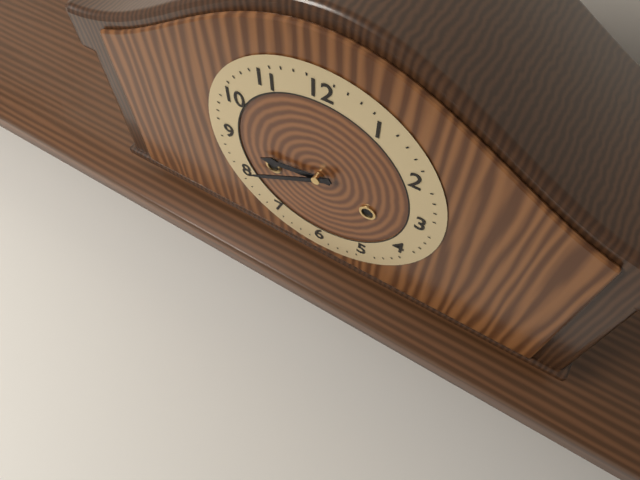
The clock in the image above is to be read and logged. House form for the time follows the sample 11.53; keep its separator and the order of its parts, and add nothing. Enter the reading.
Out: 8.40
